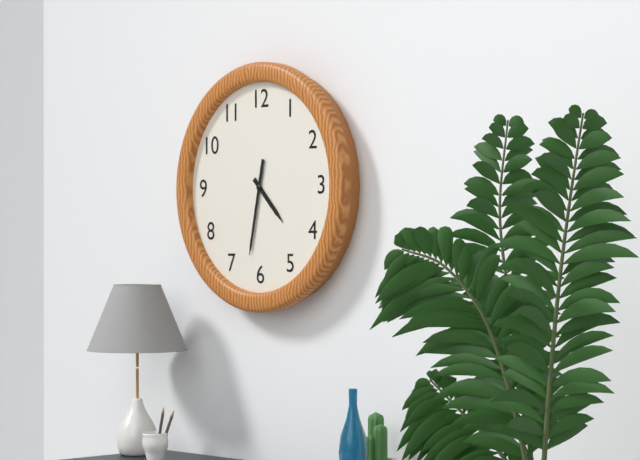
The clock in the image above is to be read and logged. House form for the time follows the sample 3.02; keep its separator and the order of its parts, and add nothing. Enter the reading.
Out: 4.32
